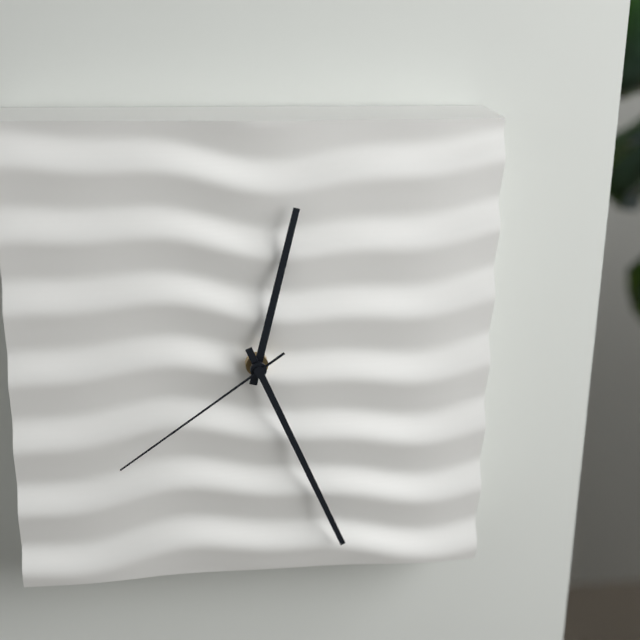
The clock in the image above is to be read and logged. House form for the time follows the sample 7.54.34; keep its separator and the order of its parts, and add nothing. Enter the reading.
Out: 12.26.39
